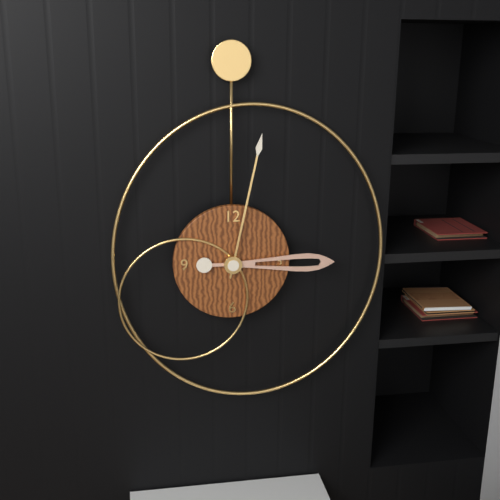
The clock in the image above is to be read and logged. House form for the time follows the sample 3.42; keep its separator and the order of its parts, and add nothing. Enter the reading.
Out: 3.02
